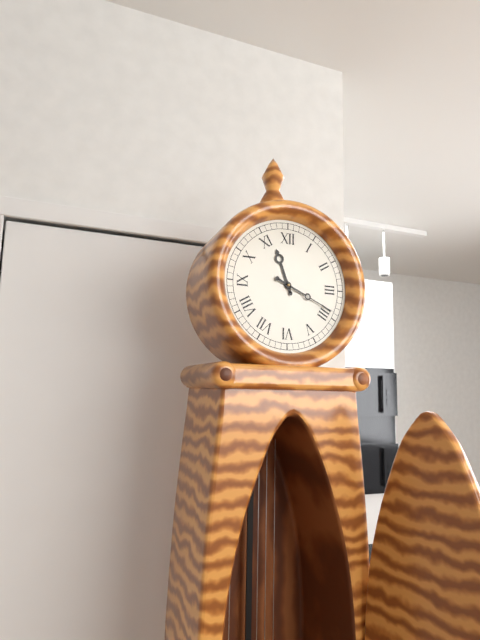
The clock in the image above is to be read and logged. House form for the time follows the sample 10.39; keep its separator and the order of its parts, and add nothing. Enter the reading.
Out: 11.19
